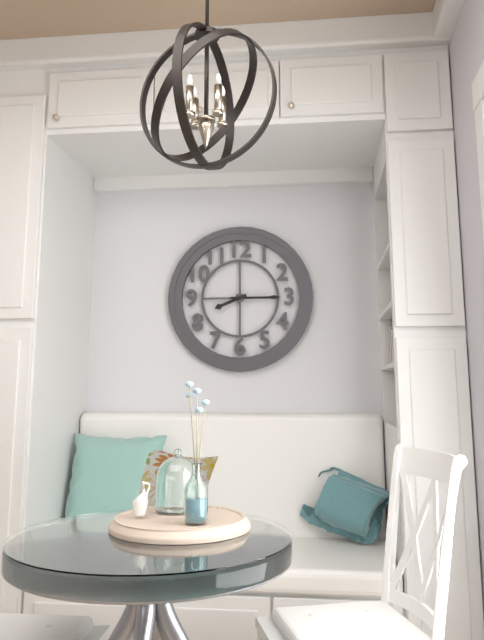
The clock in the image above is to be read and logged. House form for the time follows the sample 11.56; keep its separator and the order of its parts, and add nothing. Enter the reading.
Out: 8.15
